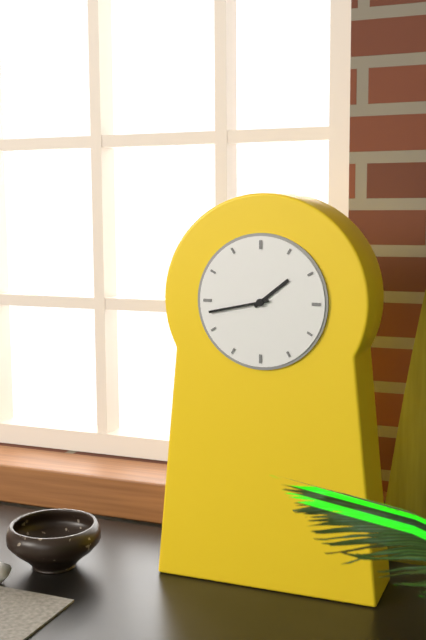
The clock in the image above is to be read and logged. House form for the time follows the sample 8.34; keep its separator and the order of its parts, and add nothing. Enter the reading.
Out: 1.43
